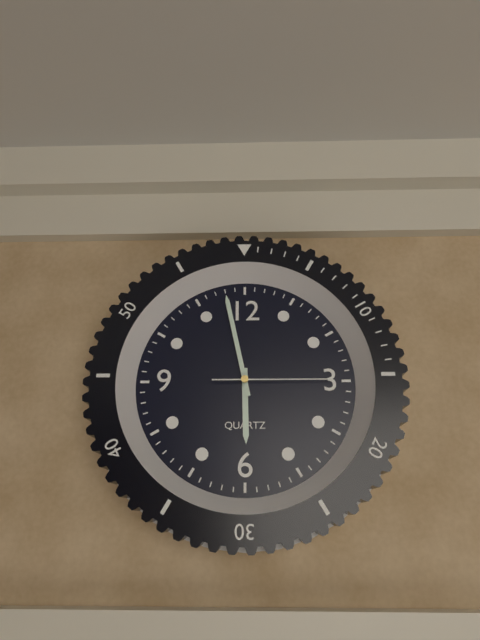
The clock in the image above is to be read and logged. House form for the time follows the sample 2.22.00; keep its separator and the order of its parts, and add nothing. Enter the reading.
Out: 5.58.15
